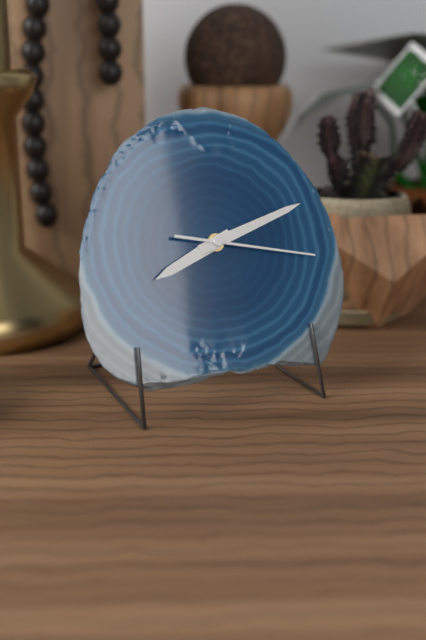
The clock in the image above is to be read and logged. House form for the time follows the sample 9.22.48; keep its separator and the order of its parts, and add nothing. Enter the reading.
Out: 8.12.17
